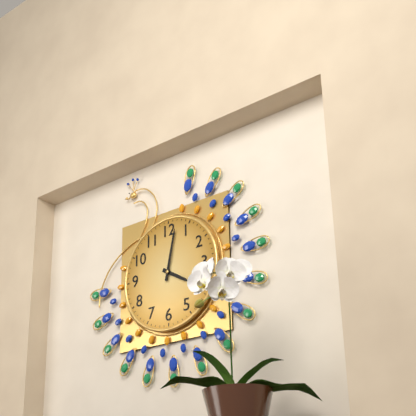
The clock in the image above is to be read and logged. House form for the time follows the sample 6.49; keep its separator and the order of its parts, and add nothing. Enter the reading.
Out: 4.02
